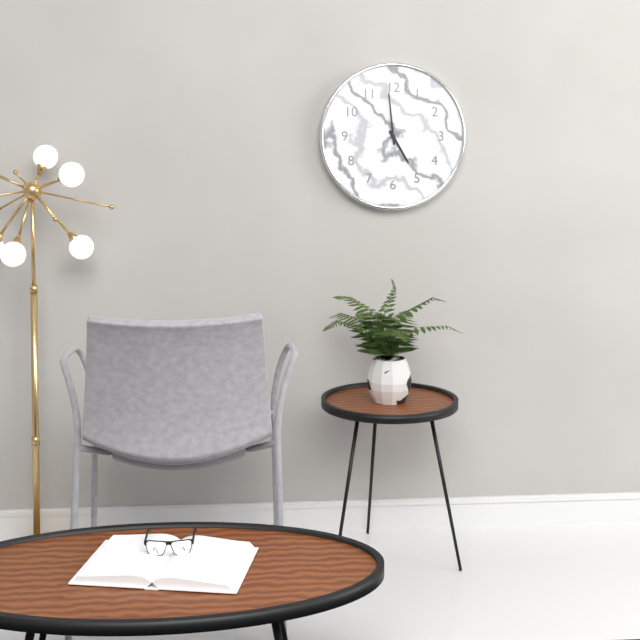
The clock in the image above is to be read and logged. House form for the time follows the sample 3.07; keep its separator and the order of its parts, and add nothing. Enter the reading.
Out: 4.59
